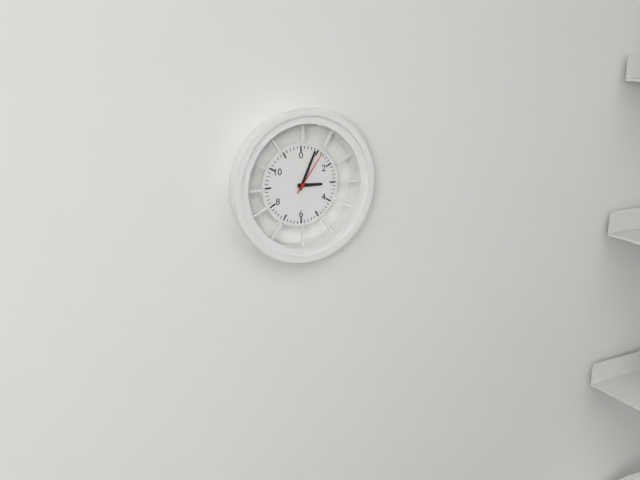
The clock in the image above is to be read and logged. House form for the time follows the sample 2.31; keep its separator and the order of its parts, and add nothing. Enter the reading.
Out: 3.04
